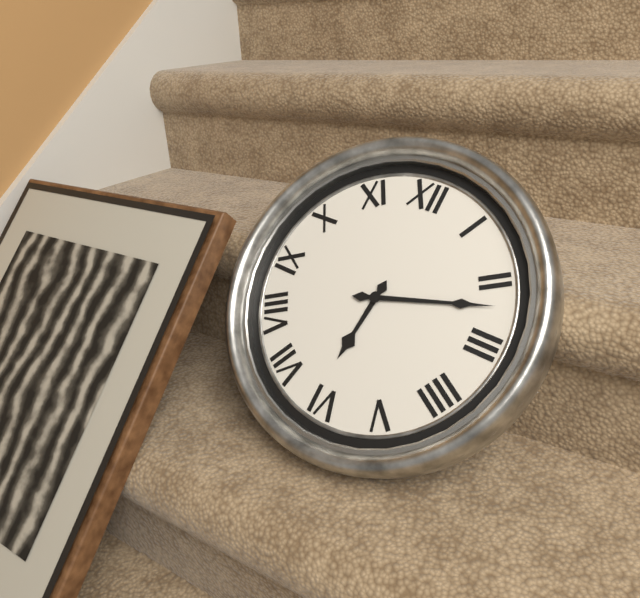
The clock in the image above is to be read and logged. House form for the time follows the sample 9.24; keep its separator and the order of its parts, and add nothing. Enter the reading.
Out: 6.12
